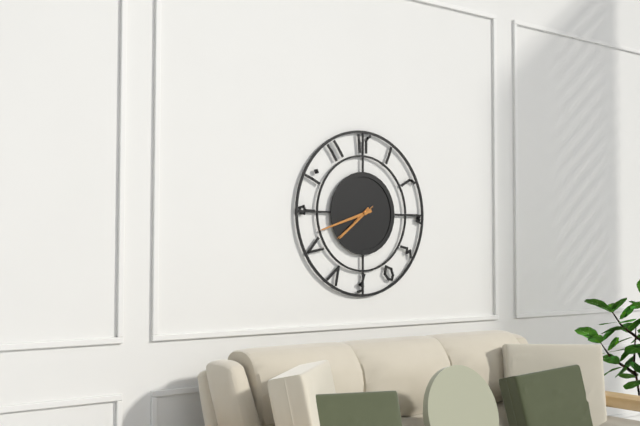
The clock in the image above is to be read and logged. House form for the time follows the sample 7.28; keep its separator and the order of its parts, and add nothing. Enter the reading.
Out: 7.42
